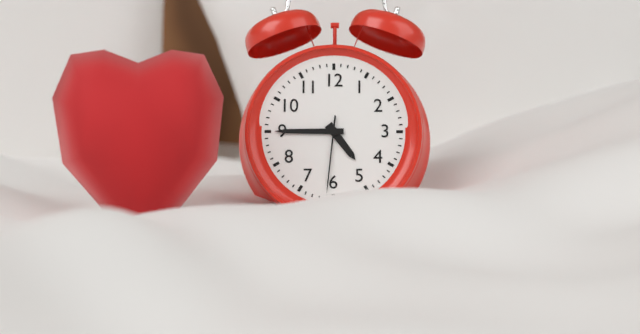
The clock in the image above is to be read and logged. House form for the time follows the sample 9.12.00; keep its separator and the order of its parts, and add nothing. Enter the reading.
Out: 4.45.31
